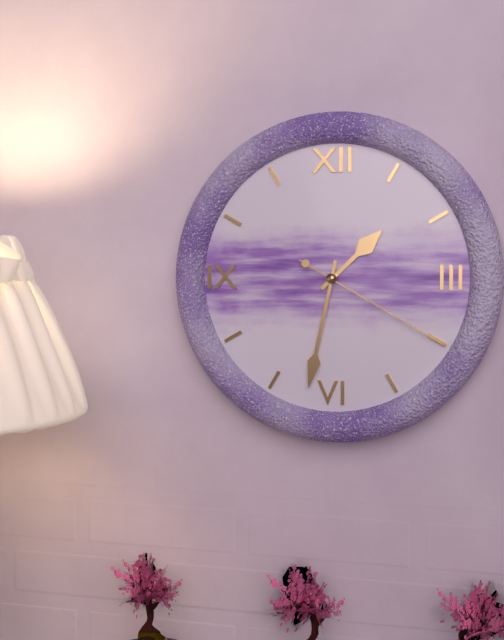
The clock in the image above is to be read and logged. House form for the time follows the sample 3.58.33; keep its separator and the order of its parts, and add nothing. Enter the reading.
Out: 1.32.20
